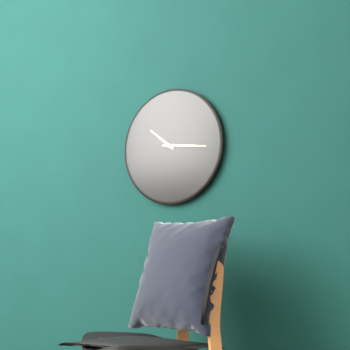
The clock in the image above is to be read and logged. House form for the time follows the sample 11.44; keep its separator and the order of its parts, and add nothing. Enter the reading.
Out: 10.16
